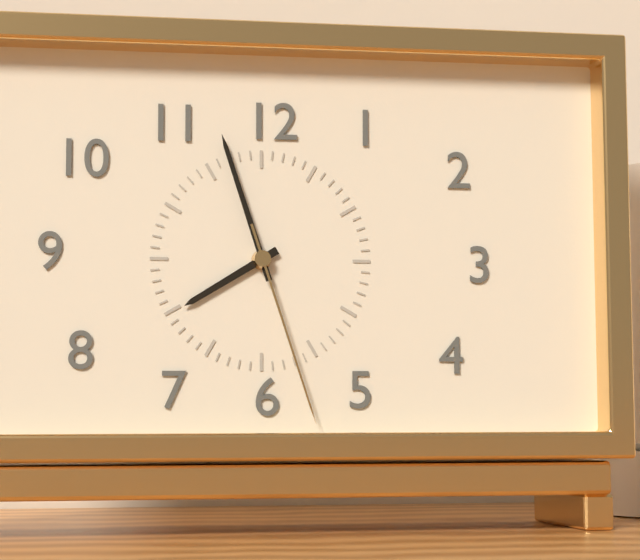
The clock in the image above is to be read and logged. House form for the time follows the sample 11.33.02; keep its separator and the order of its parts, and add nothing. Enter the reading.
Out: 7.57.27
